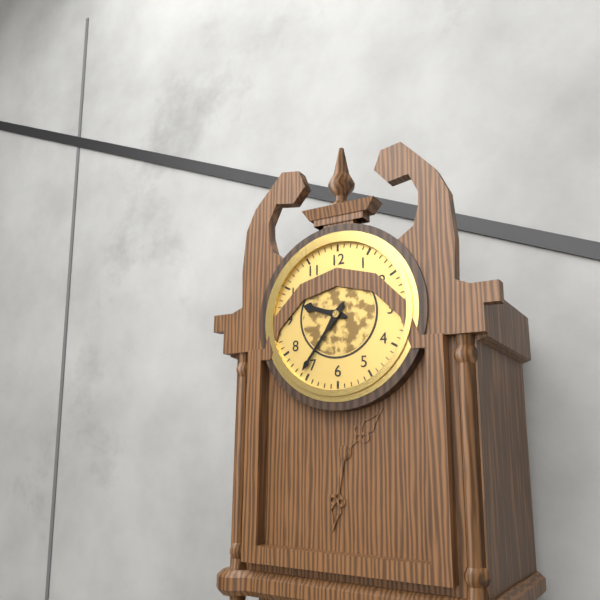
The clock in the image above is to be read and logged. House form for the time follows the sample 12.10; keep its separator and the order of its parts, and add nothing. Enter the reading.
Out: 9.36
